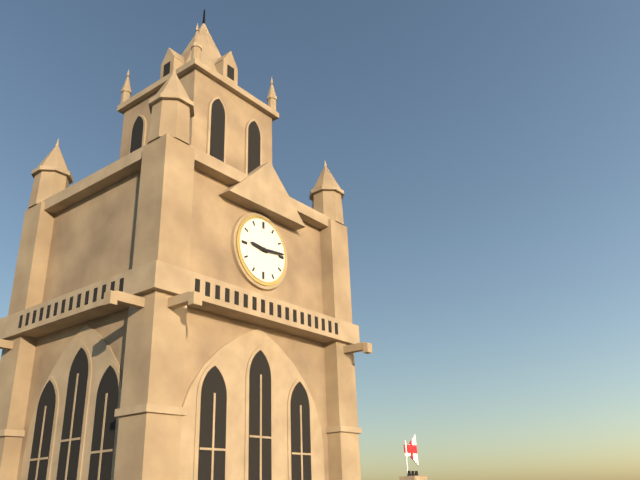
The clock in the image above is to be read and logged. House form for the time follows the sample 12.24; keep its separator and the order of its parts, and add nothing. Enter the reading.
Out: 9.14
